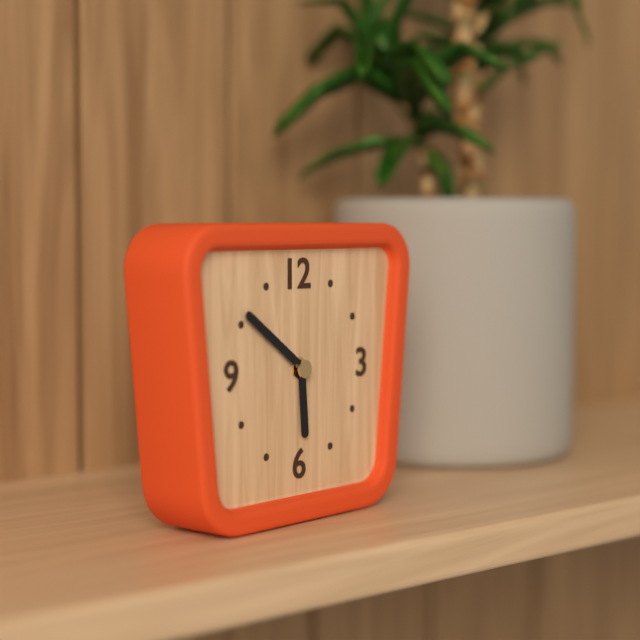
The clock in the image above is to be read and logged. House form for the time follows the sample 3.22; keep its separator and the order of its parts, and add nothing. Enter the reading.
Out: 5.51
